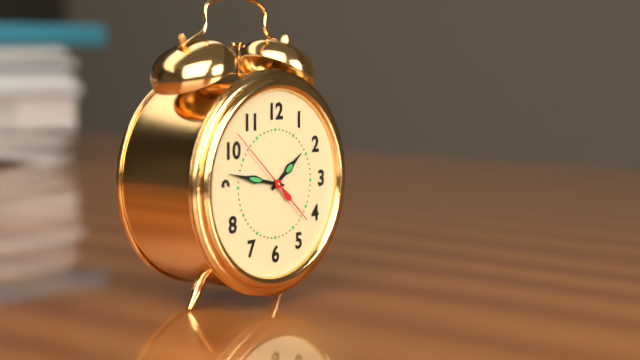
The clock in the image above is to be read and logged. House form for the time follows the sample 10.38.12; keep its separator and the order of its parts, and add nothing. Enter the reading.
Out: 1.47.52
